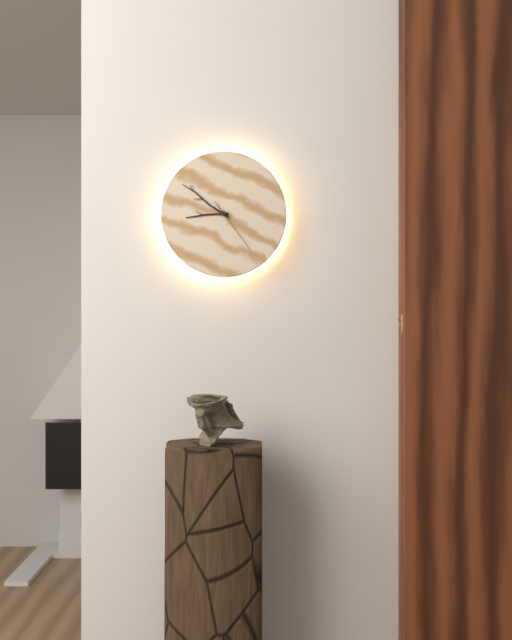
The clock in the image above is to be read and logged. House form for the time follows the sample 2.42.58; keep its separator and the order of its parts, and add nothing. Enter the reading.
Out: 8.51.24
